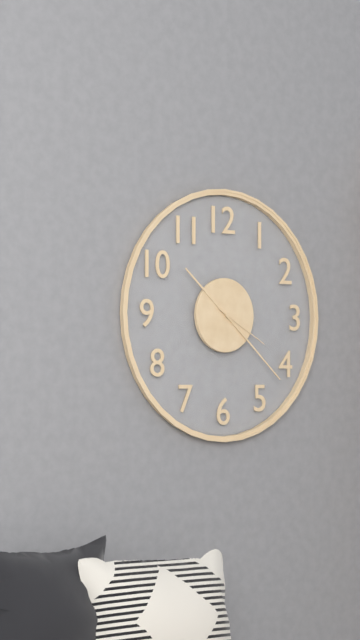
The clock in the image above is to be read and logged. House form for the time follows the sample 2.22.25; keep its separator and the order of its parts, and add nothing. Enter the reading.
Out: 10.22.20
